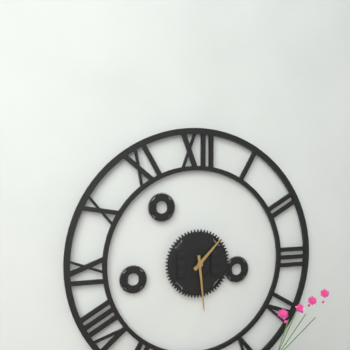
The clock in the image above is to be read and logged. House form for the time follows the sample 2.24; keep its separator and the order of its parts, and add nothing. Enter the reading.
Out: 1.29
